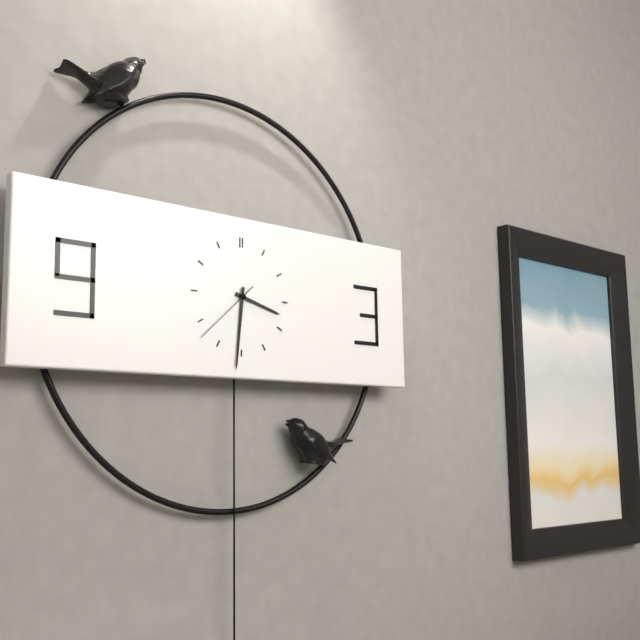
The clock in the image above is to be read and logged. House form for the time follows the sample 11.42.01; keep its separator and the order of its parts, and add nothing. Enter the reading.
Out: 3.31.38
